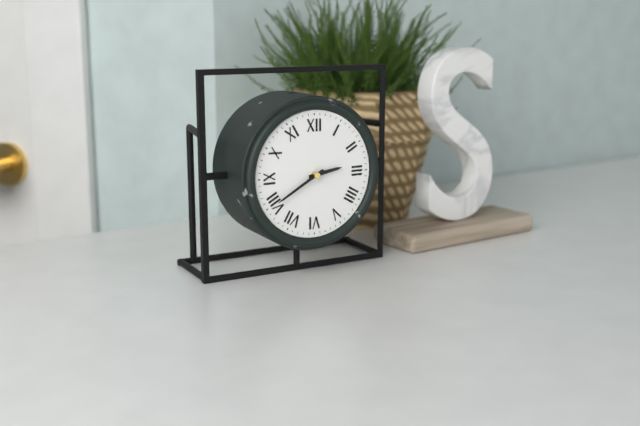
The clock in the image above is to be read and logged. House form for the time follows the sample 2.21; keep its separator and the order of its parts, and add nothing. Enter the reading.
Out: 2.40
